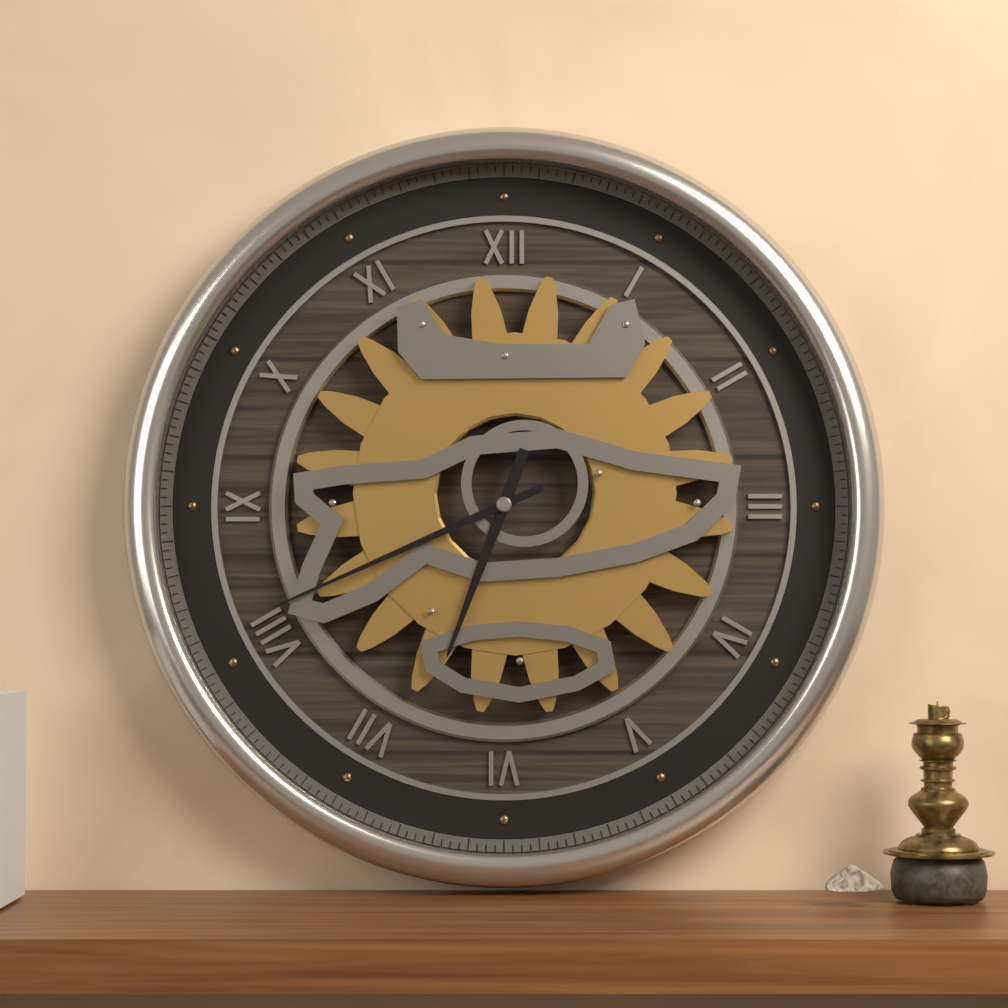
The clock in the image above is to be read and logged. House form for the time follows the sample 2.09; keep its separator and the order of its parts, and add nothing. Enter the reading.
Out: 6.41
